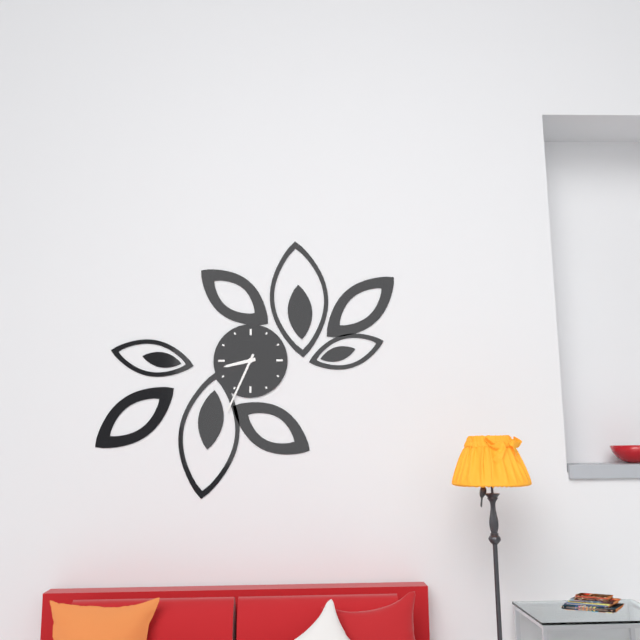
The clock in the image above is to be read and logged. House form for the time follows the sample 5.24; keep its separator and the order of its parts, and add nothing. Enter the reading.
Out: 8.34
